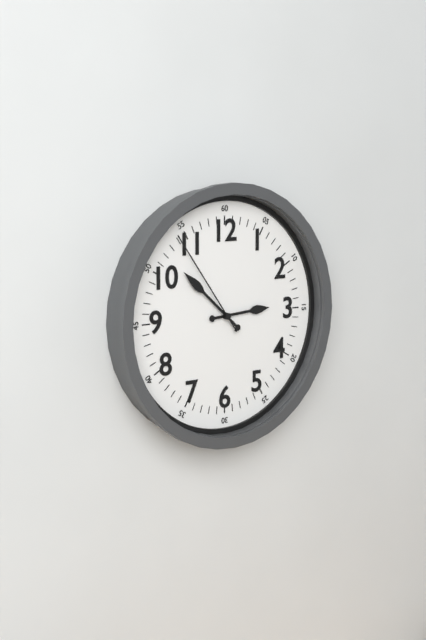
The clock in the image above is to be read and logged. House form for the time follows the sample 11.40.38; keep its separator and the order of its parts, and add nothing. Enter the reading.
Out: 2.52.54
